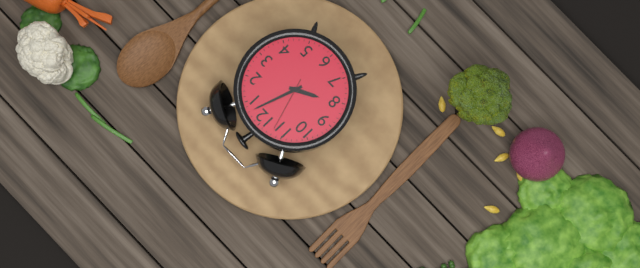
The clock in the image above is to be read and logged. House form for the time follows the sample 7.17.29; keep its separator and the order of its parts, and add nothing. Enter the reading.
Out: 8.03.57
